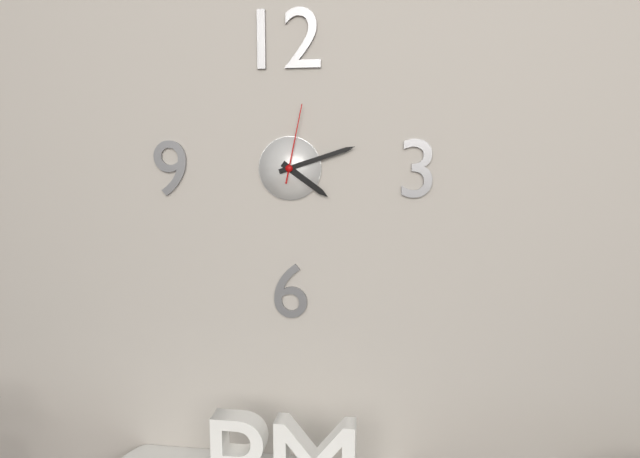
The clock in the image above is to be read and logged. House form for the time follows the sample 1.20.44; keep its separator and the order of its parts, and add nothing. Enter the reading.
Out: 4.12.02
